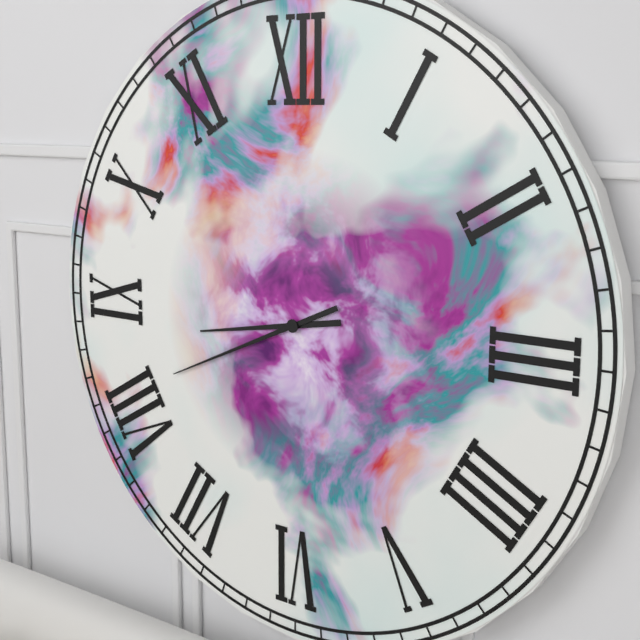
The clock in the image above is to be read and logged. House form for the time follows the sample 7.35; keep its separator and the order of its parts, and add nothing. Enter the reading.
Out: 8.41
